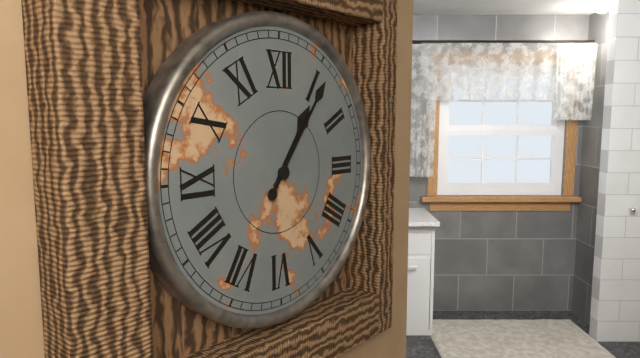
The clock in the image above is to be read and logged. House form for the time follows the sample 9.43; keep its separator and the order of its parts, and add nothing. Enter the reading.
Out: 1.06
